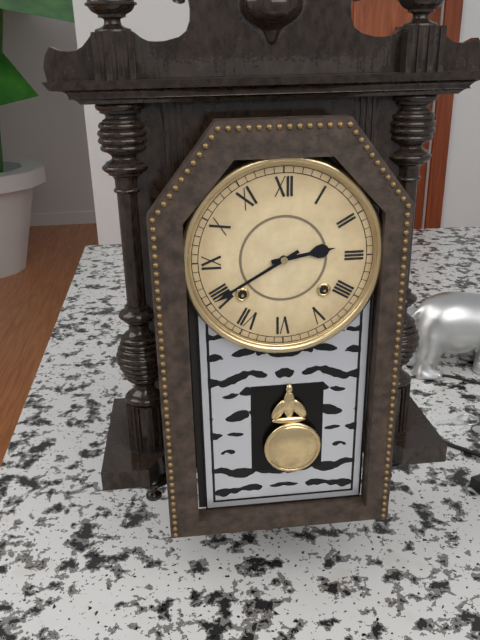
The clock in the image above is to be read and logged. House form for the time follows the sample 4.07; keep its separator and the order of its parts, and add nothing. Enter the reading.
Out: 2.40
